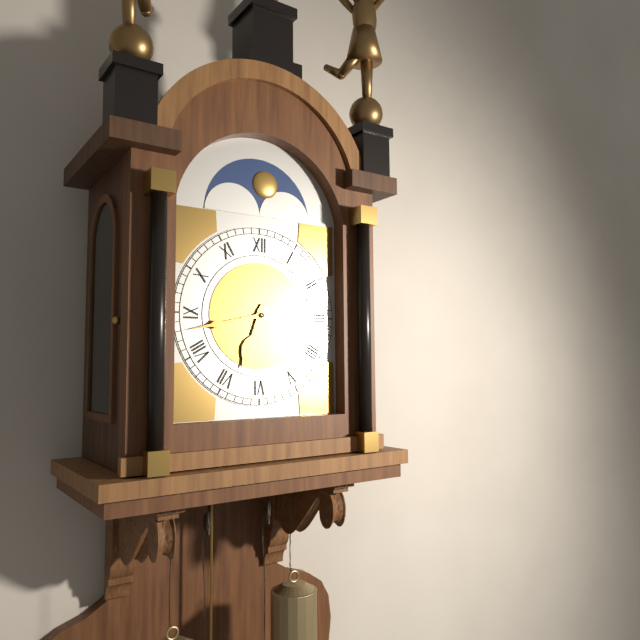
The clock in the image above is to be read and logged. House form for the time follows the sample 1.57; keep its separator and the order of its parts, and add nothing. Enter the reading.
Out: 6.43
